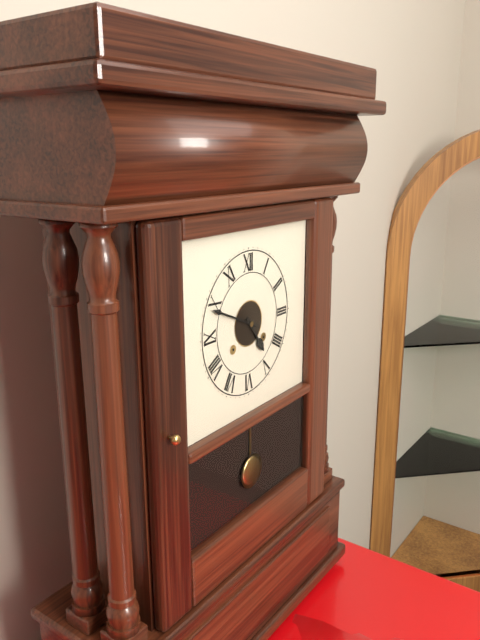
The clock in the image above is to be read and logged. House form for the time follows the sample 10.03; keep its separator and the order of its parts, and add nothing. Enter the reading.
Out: 4.49
